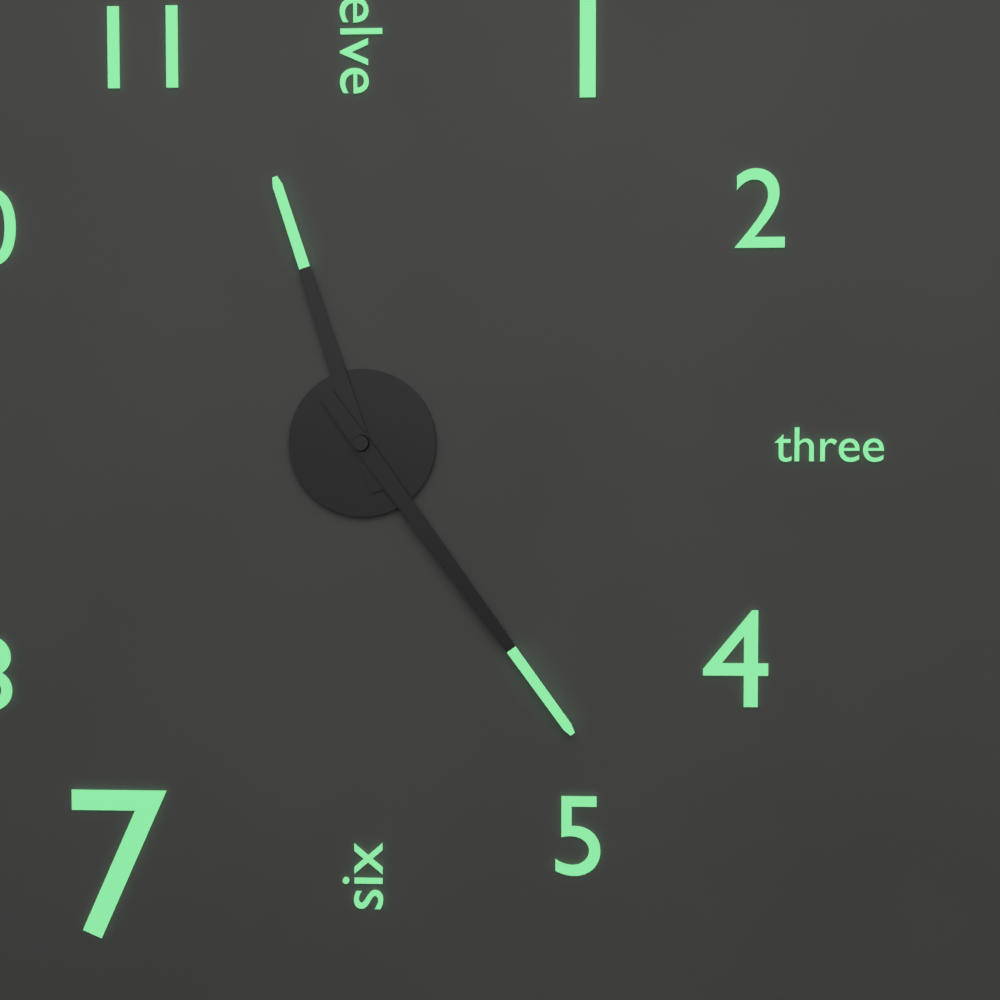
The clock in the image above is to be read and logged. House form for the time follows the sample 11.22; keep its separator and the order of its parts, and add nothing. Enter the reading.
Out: 11.24
